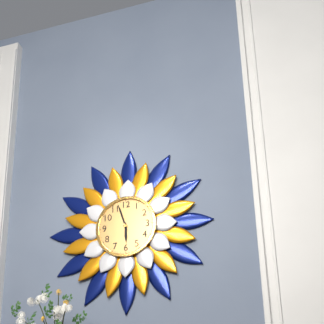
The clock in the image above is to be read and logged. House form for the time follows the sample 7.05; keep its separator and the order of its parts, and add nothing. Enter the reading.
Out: 5.57
